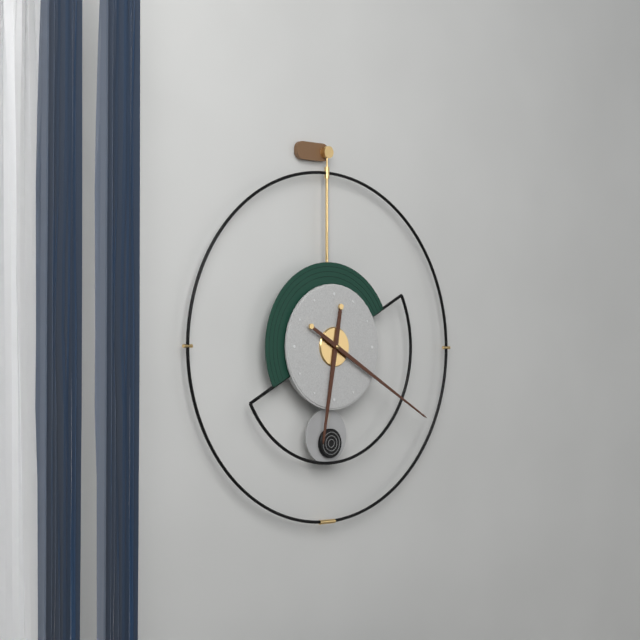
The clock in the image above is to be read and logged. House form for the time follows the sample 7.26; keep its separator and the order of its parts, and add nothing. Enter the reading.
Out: 6.20
